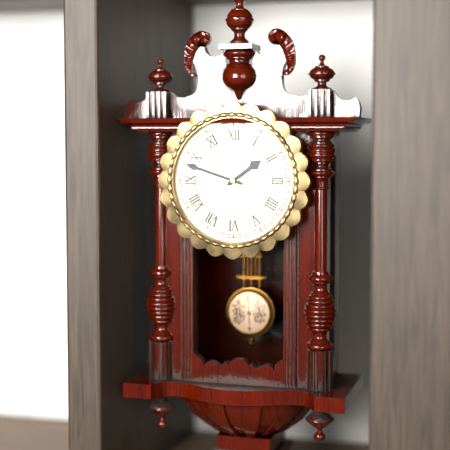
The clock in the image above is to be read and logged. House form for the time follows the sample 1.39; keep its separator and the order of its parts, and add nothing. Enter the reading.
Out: 1.48
